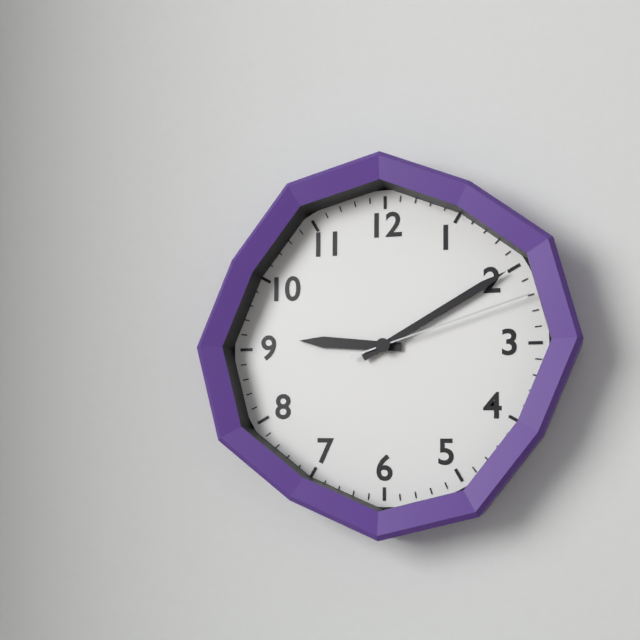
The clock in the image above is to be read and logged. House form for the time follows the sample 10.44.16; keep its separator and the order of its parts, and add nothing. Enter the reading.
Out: 9.10.12
